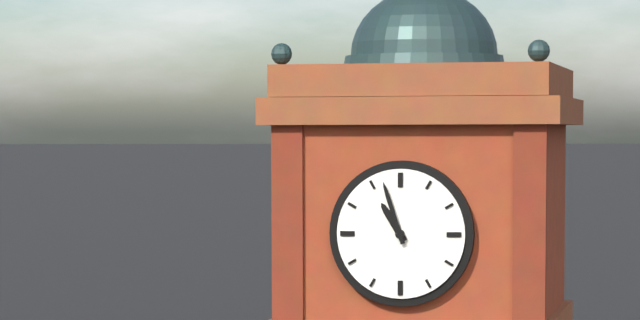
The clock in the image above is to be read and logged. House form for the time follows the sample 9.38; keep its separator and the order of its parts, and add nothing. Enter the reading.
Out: 10.57
